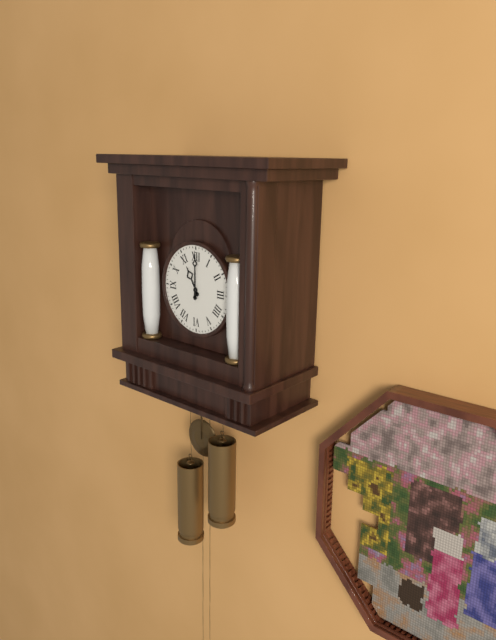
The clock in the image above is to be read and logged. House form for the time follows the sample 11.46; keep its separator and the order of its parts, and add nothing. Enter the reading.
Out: 11.00
